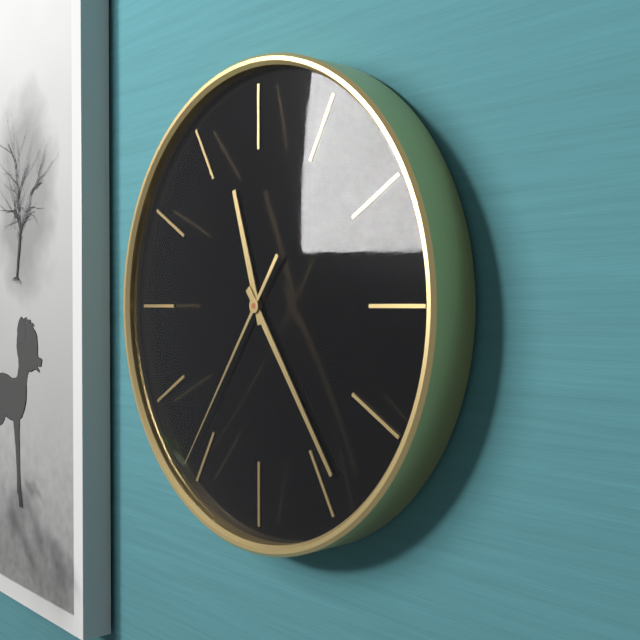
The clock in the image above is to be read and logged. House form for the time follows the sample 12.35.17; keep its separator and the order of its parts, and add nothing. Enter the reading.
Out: 11.24.36
